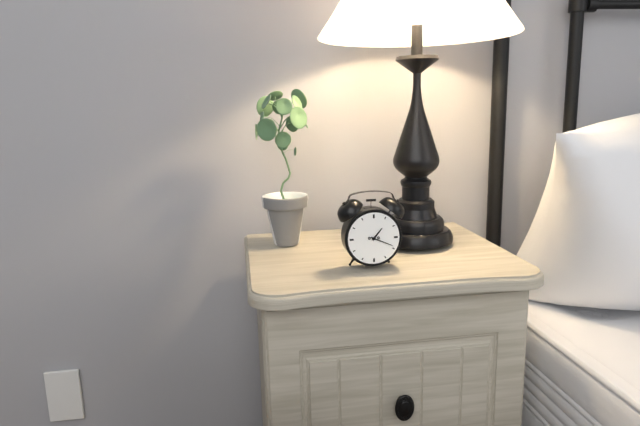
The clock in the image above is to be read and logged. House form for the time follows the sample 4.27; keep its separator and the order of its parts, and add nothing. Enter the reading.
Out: 1.19
